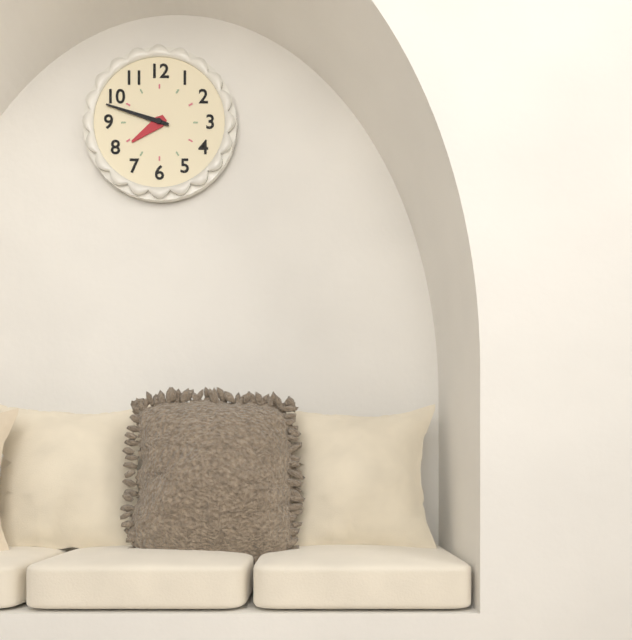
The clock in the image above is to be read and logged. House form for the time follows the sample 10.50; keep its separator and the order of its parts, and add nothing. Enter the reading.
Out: 7.48
